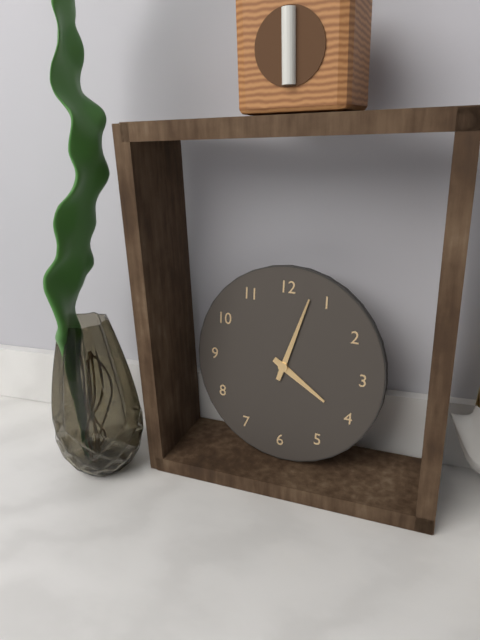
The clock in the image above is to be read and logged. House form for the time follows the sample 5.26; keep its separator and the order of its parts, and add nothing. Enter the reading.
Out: 4.03
